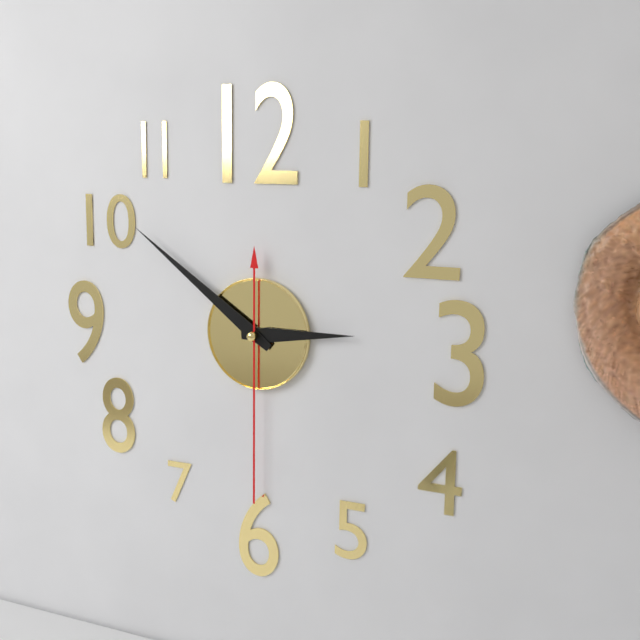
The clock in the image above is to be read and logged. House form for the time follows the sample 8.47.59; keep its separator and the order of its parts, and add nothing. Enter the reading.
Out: 2.51.30
